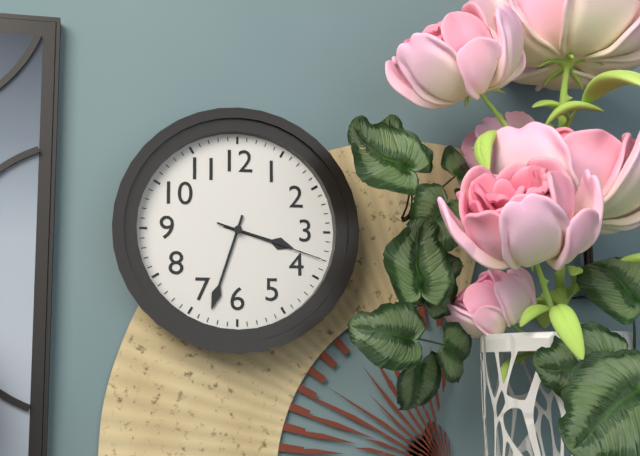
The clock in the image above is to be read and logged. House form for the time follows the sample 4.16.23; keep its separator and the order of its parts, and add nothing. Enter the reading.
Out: 3.33.18
